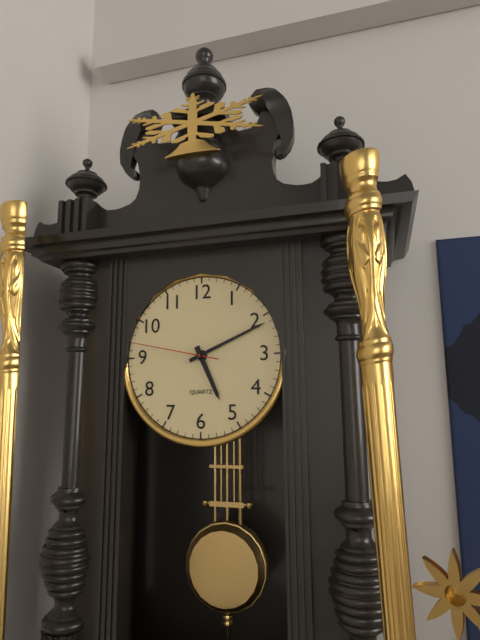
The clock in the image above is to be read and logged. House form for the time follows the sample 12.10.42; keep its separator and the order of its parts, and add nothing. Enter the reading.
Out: 5.11.47
